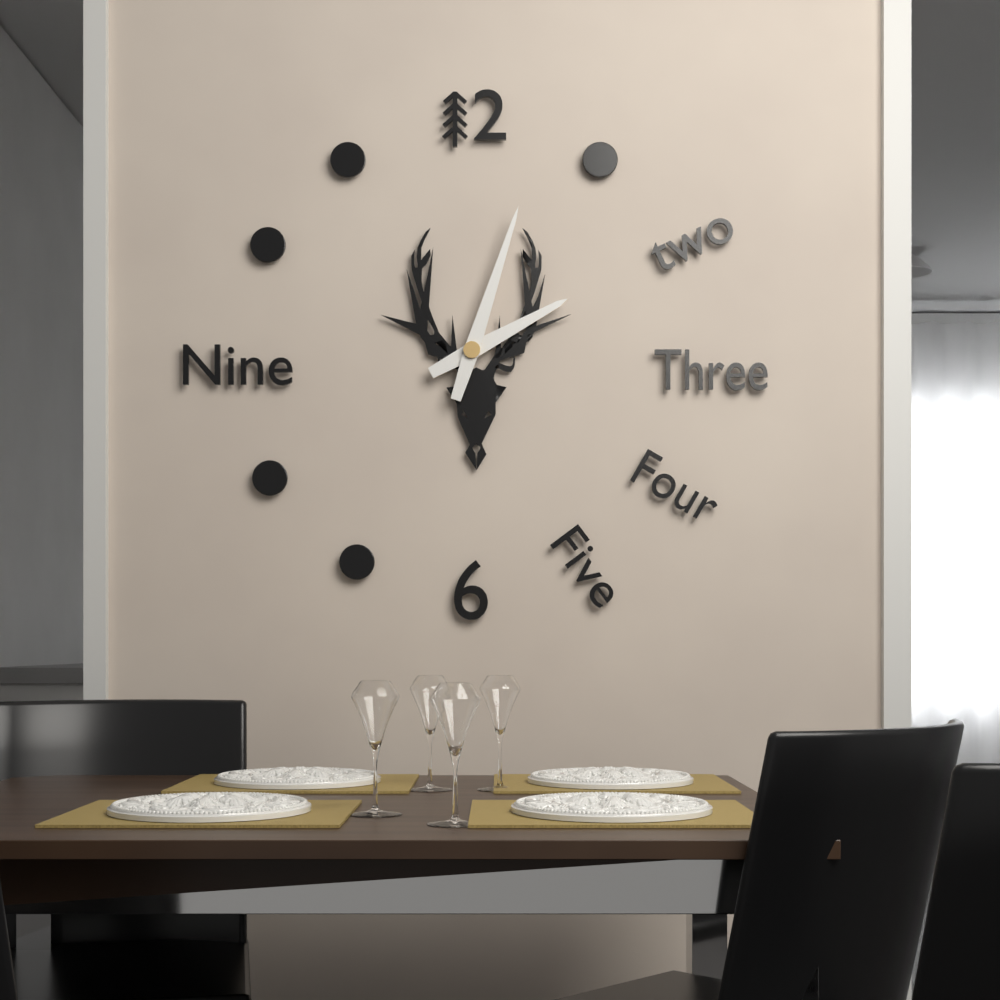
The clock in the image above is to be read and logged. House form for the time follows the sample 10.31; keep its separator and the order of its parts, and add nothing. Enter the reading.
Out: 2.03
